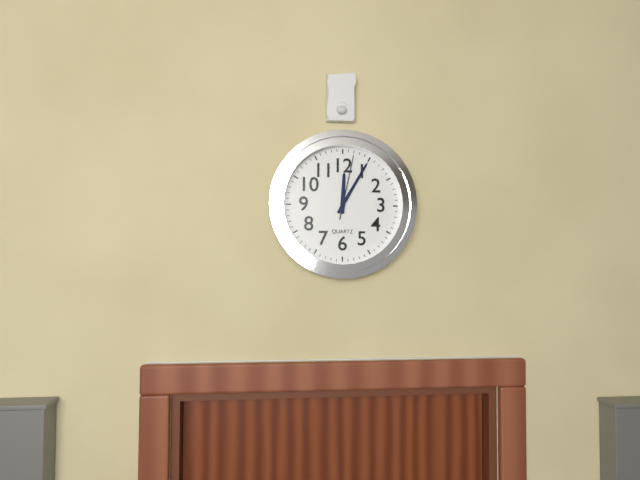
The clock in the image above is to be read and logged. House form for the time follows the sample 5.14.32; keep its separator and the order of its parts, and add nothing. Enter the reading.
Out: 12.05.02
